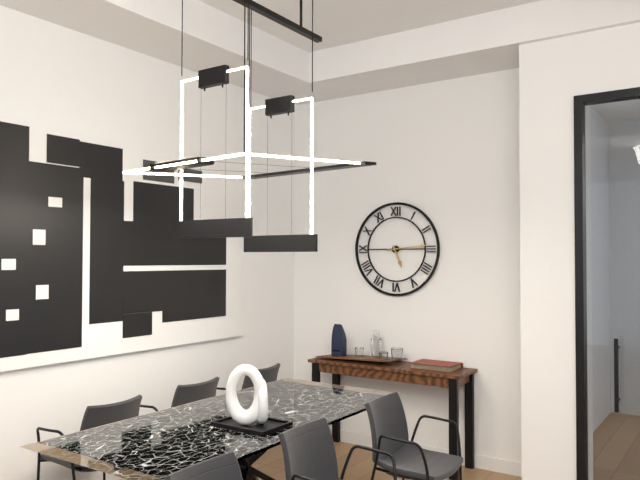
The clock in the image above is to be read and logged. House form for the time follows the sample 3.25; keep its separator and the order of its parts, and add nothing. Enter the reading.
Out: 5.14
